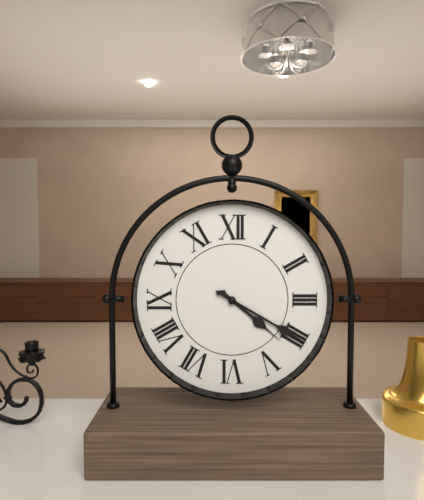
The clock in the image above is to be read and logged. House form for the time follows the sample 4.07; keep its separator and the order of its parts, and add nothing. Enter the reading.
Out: 4.20
